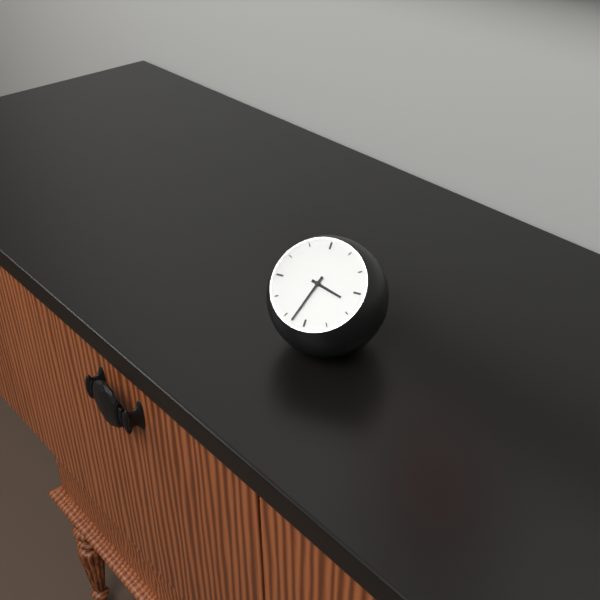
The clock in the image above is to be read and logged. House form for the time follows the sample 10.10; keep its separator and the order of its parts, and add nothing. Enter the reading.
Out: 3.33
